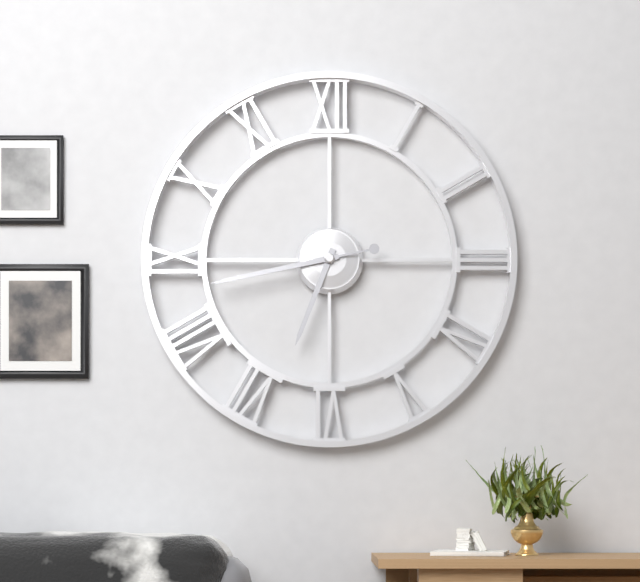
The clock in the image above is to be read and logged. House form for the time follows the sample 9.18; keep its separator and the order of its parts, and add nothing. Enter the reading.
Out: 6.43
